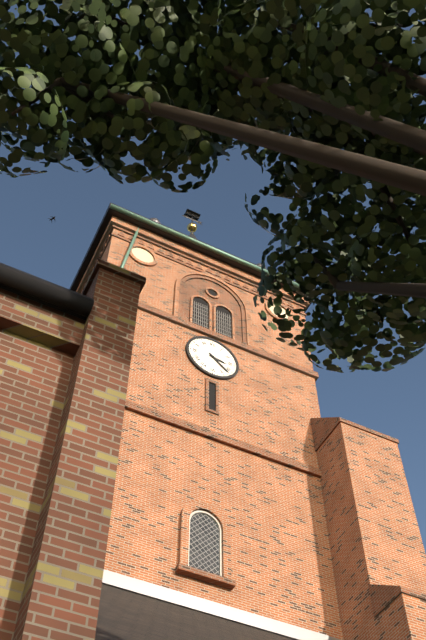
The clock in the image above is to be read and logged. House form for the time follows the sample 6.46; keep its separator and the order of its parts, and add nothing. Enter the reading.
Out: 3.22
